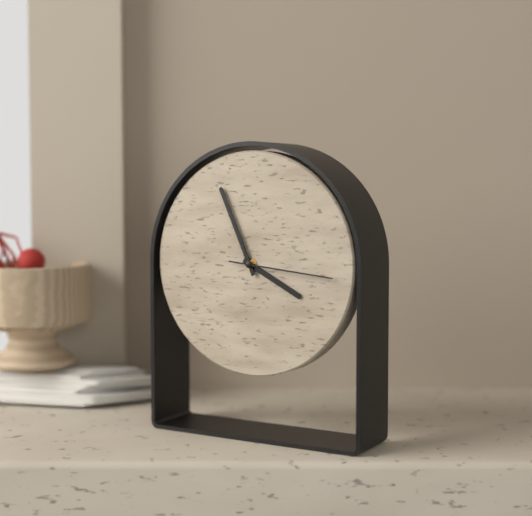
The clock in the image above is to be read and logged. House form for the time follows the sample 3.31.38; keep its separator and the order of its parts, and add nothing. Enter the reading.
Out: 3.56.16
